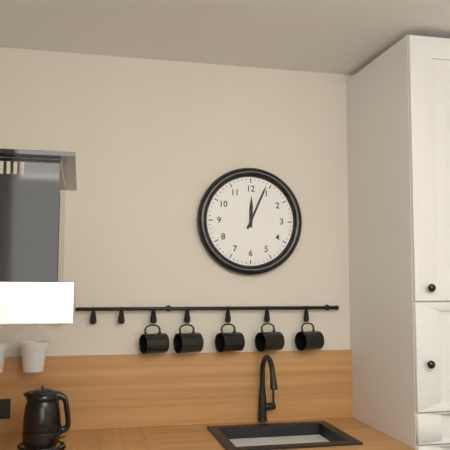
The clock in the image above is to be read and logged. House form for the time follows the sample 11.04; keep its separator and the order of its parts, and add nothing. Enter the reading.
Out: 12.04
